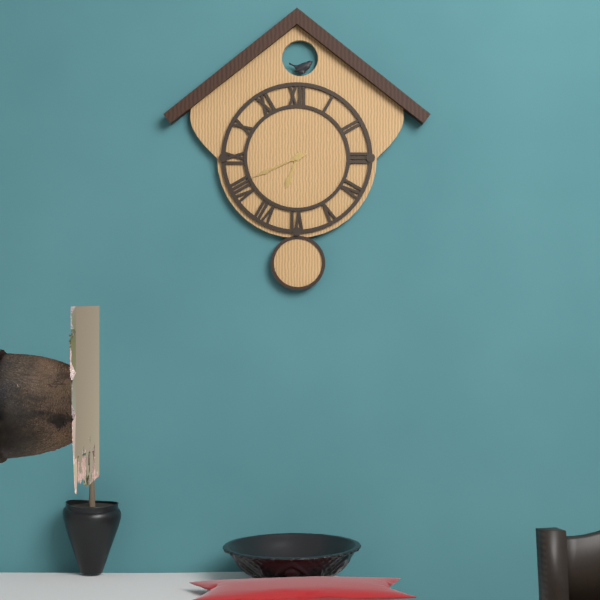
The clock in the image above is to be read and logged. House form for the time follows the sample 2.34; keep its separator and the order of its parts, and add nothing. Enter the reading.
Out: 6.41
